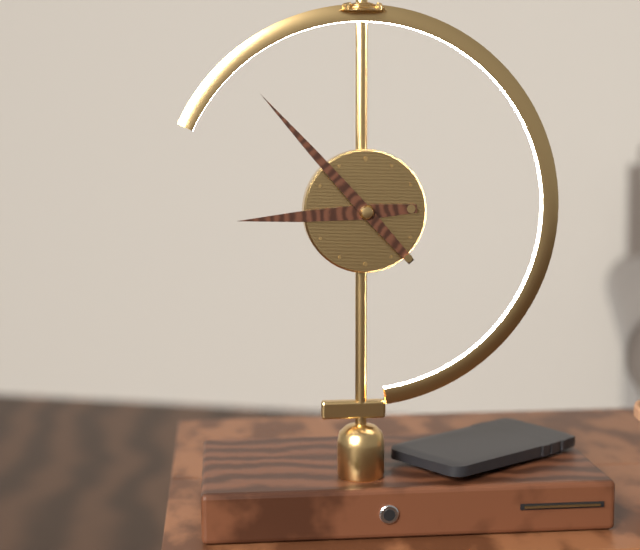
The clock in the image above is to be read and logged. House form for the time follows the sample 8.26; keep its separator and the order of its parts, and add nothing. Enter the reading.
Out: 8.53
